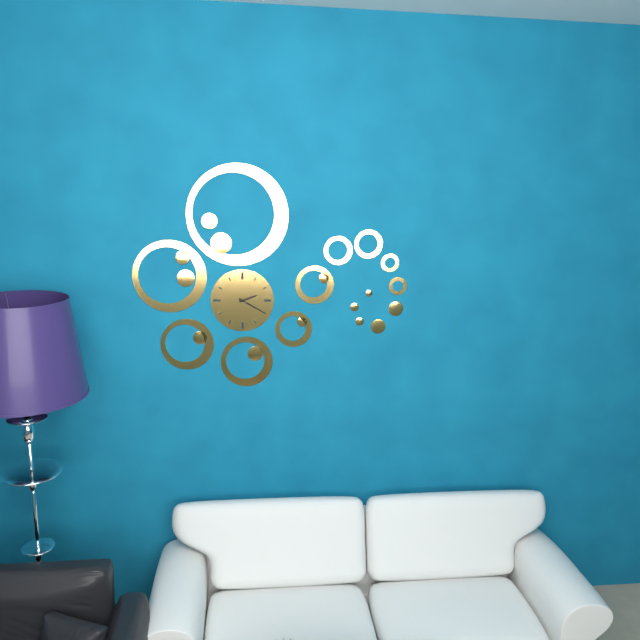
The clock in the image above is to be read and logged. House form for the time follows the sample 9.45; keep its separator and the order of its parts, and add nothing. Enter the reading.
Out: 2.20
